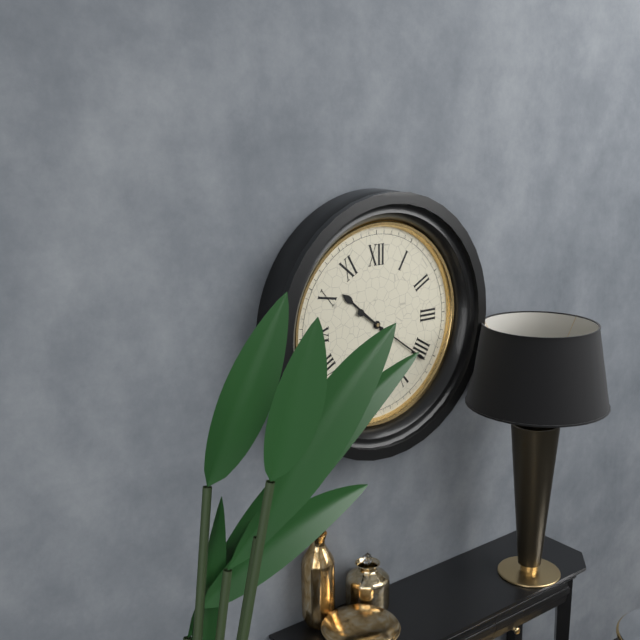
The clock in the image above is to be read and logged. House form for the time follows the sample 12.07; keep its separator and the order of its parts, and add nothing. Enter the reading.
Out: 10.21
